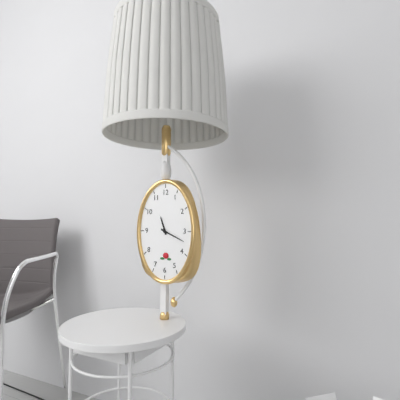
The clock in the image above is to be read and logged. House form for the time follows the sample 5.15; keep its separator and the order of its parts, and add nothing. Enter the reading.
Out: 11.19
